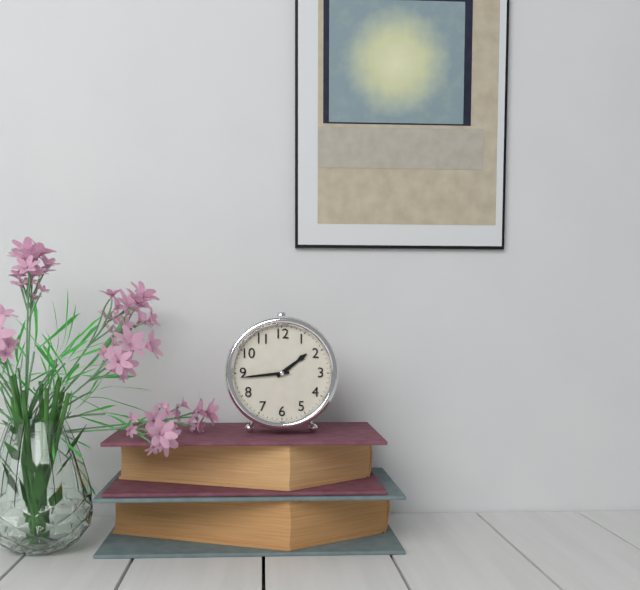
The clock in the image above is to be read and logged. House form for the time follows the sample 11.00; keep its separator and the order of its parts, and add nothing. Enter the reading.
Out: 1.44
